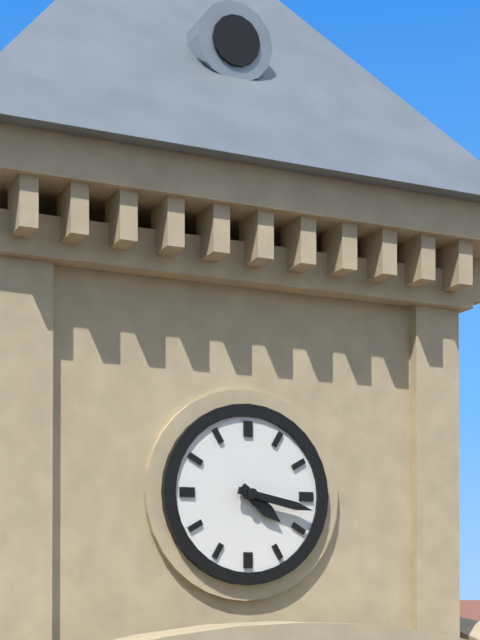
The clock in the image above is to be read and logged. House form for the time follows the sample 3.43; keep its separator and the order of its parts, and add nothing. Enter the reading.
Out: 4.17
